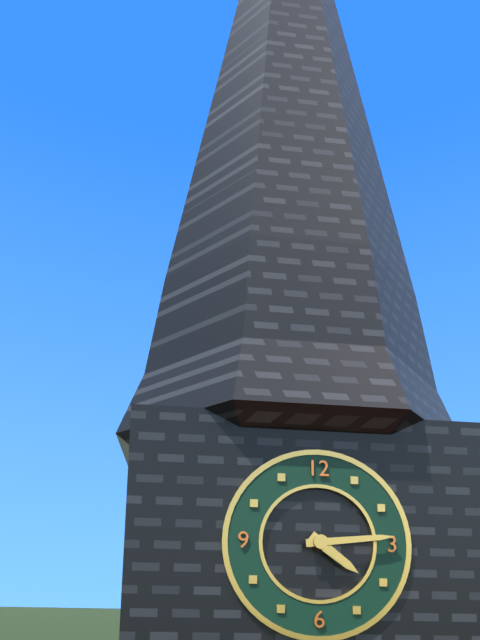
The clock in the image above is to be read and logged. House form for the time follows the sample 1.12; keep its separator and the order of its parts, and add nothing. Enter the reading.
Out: 4.14
